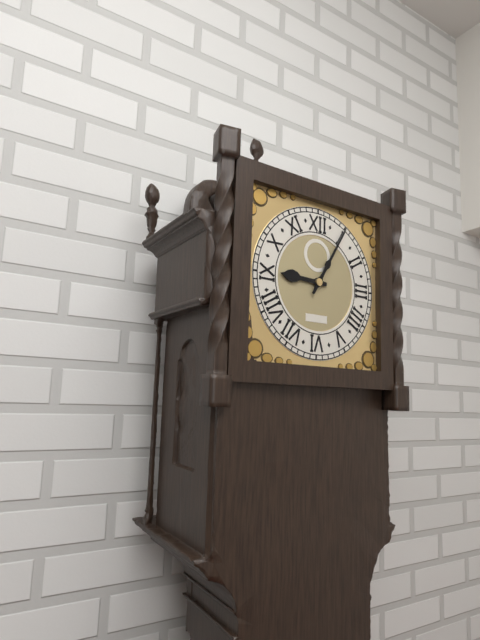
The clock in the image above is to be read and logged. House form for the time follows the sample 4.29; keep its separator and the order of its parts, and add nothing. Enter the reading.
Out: 9.05
